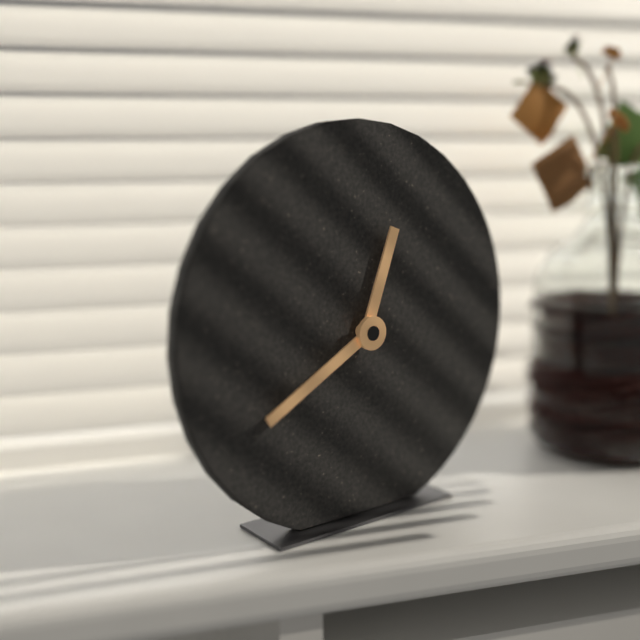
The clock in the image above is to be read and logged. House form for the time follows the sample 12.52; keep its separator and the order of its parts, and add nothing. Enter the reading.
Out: 12.40
